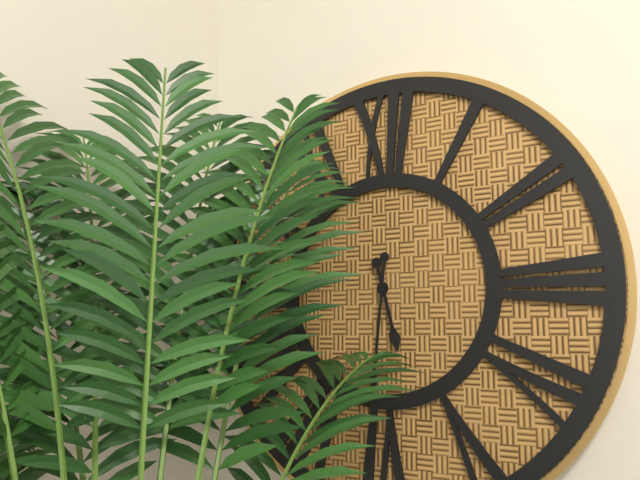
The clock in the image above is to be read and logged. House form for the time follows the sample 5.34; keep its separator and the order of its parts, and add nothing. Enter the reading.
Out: 5.31
